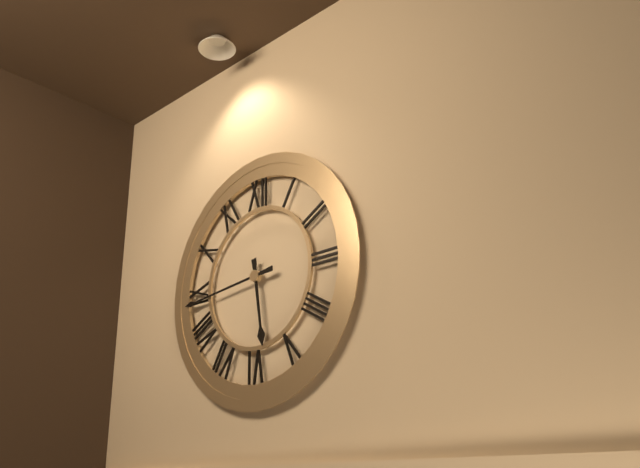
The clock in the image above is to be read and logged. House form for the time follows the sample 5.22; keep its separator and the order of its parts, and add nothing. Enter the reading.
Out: 5.44
